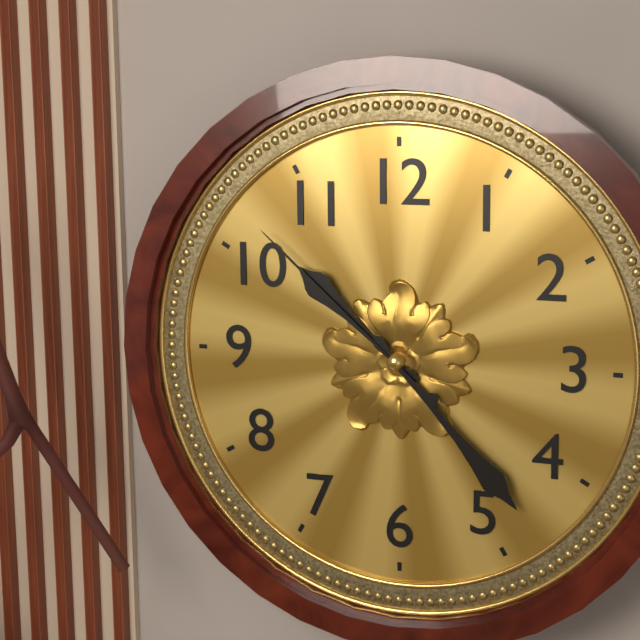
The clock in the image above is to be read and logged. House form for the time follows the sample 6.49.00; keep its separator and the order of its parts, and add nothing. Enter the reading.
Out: 10.23.52
